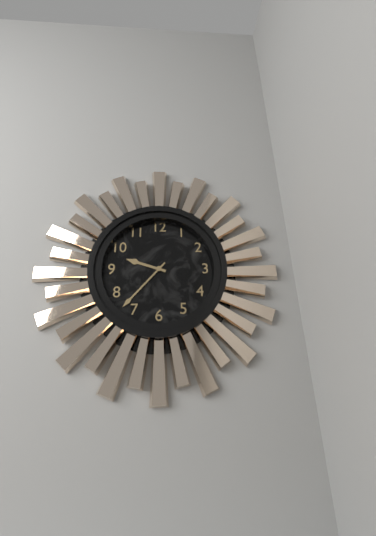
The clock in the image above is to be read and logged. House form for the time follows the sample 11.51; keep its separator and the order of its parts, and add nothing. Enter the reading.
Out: 9.37
